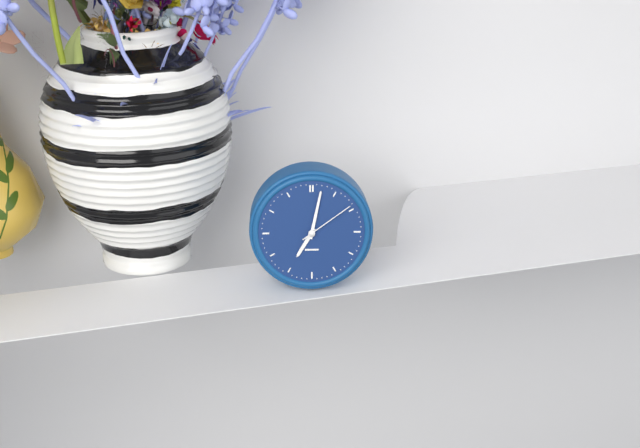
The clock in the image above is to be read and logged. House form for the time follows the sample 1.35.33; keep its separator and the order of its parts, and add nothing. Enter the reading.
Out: 7.02.09
